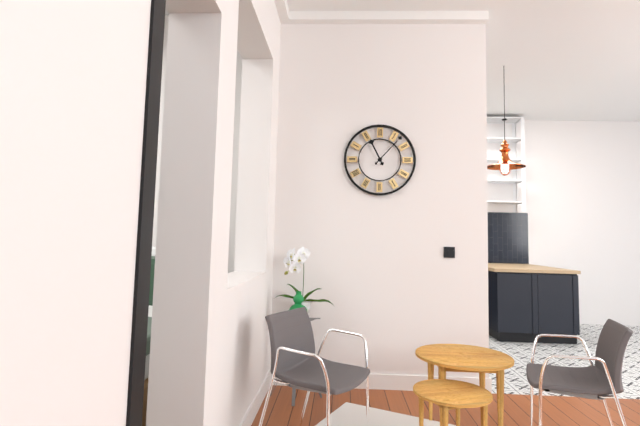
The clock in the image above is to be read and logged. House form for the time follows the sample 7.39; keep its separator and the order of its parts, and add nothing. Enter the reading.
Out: 11.07
